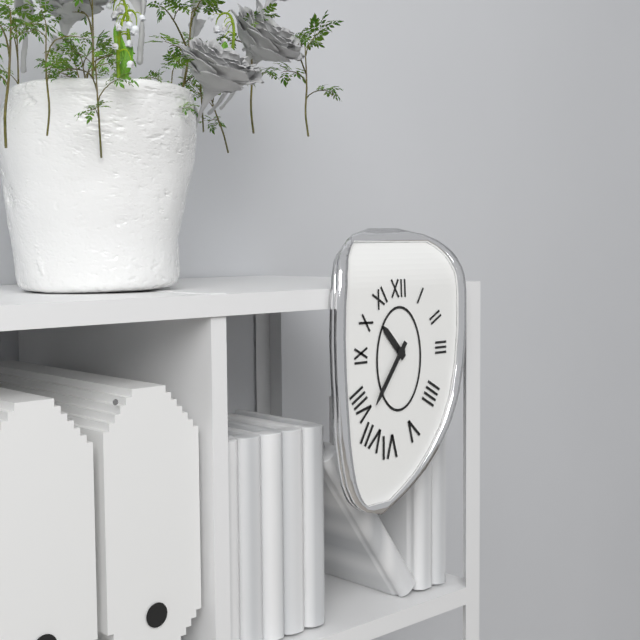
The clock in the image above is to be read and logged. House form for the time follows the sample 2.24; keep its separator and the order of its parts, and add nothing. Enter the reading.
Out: 10.36
